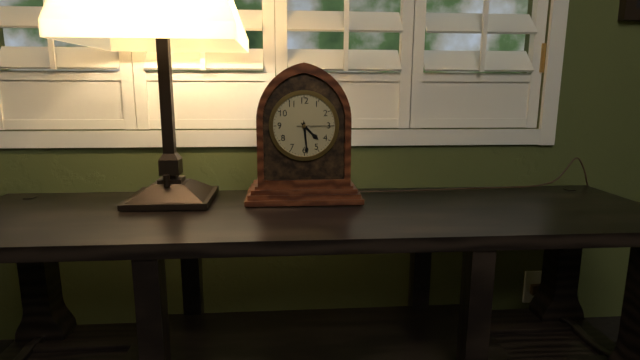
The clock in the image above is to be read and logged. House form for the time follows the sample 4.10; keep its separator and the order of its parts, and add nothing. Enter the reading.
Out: 4.29
